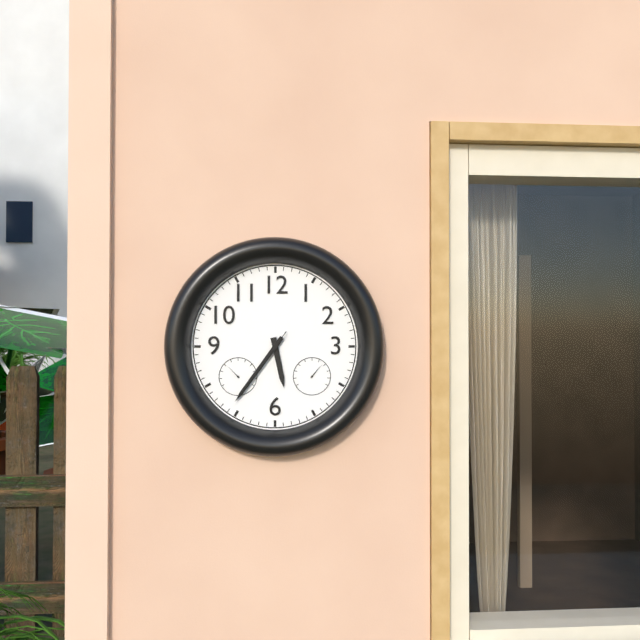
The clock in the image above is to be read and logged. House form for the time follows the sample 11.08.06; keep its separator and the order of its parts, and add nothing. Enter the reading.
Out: 5.36.36
